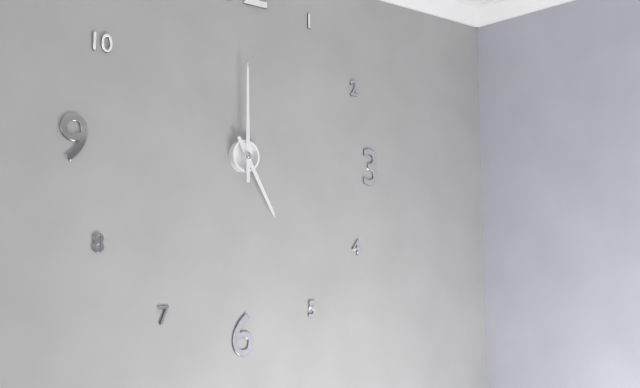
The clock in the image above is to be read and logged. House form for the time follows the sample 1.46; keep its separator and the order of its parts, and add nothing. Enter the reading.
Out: 5.00
